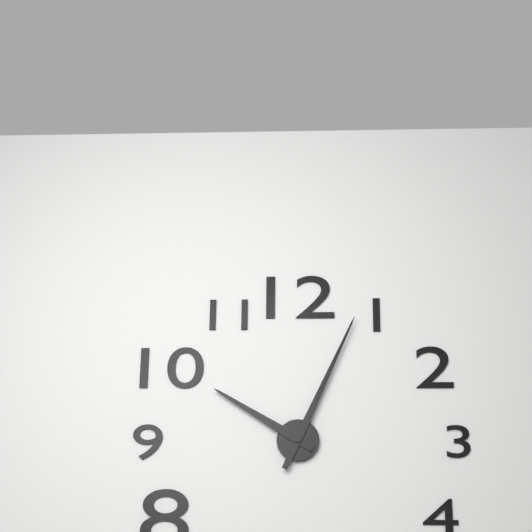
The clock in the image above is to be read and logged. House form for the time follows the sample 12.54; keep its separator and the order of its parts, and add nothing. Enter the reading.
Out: 10.04
